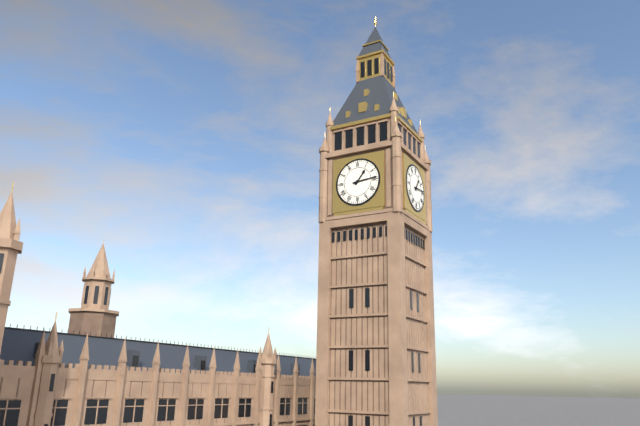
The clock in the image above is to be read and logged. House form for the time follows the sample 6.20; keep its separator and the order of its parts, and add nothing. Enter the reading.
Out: 1.14
